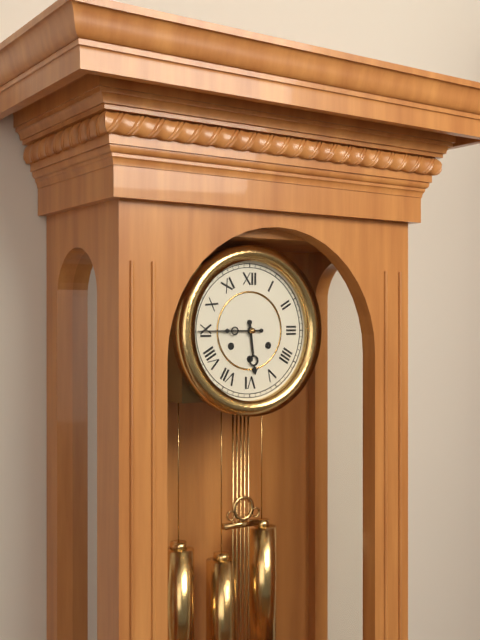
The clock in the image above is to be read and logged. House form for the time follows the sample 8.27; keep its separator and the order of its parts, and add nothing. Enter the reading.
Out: 5.45
